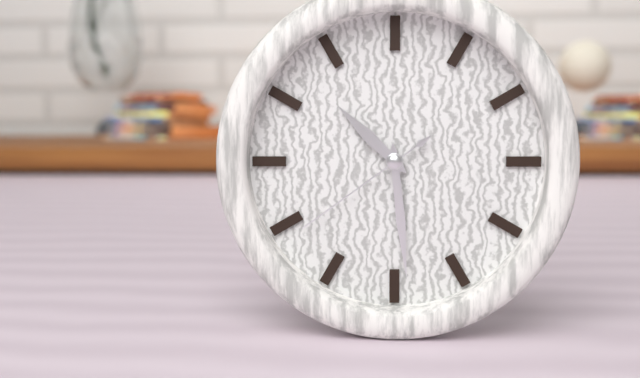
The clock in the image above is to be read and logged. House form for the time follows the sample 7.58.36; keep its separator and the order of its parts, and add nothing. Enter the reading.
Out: 10.29.39
